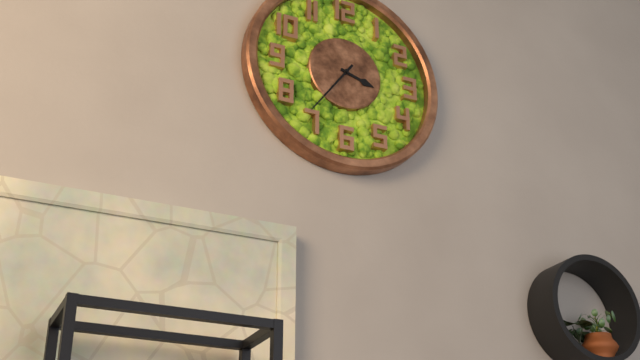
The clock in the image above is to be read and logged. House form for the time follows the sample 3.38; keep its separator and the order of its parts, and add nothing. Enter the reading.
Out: 3.36
